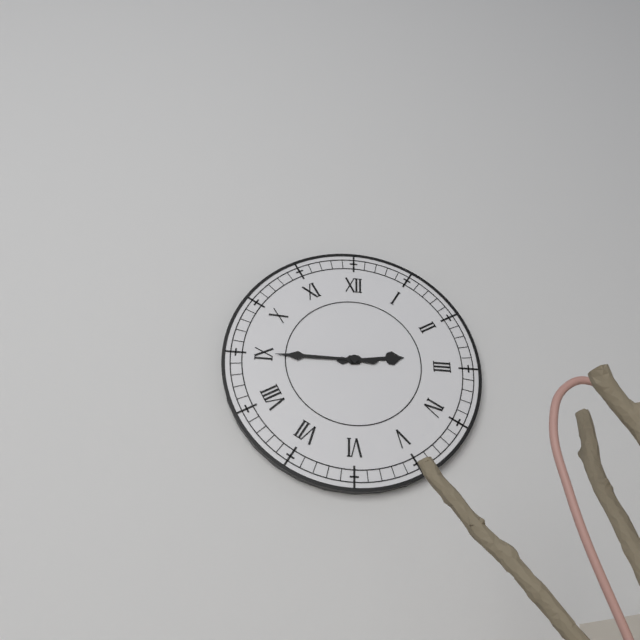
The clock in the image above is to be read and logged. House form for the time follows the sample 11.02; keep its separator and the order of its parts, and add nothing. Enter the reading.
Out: 2.45
